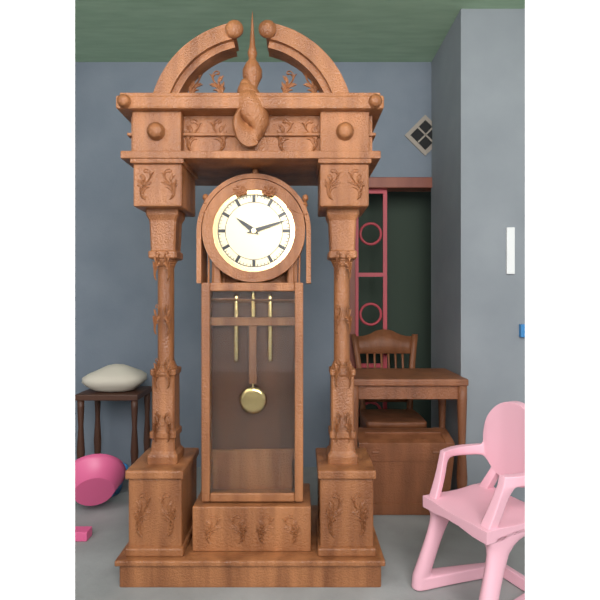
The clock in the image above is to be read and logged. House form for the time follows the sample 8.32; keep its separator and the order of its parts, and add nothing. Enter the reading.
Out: 10.12
